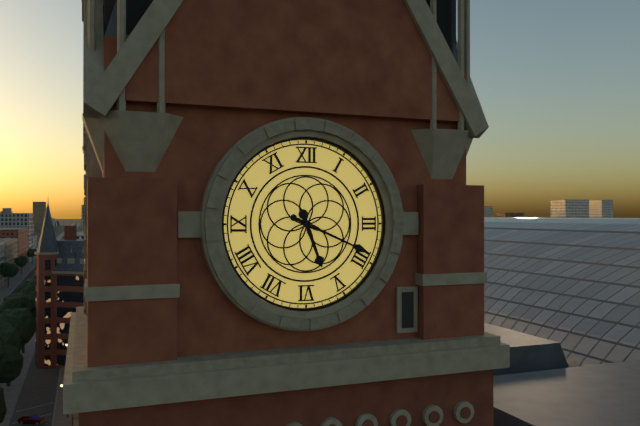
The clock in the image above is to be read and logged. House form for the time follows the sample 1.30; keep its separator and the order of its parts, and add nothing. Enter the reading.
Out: 5.19
